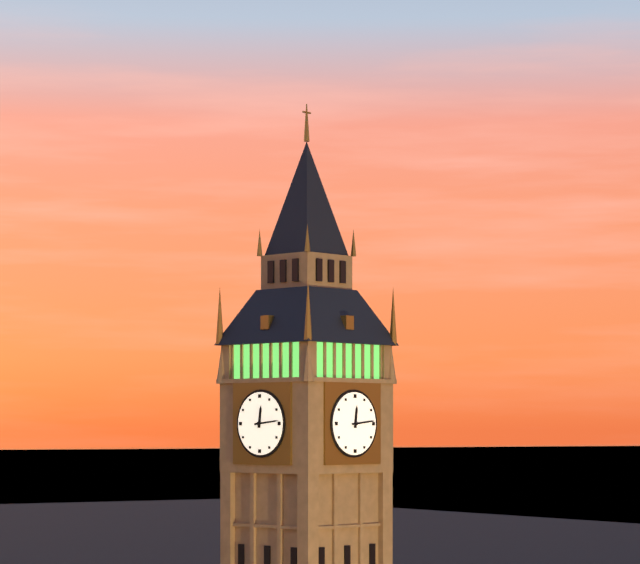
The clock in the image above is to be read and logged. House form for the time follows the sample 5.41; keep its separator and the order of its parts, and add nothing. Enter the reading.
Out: 12.14
